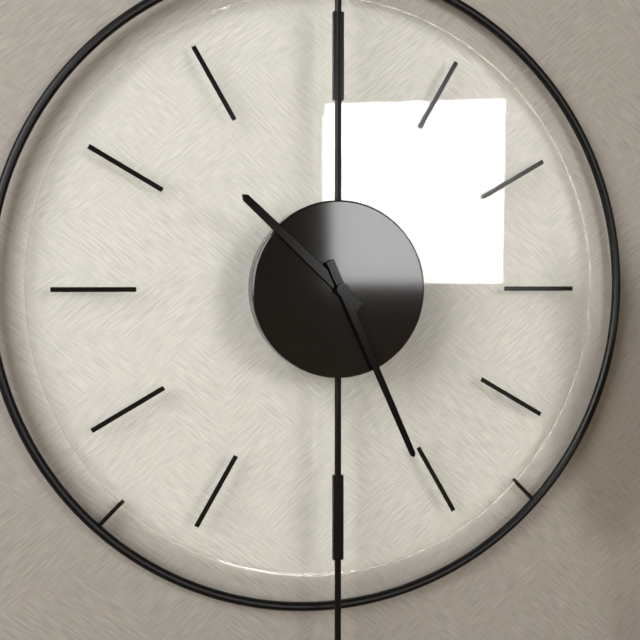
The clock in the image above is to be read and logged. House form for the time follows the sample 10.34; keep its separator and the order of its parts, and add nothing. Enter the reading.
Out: 10.26
